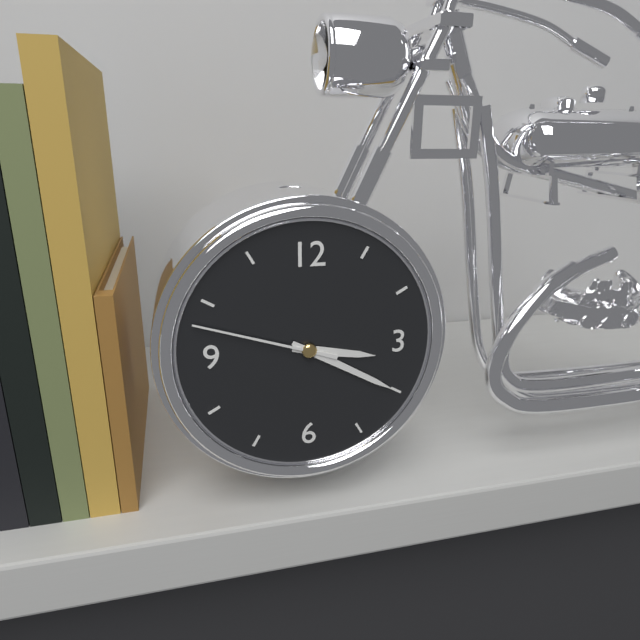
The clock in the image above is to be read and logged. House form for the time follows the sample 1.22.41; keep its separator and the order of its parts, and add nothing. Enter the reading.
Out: 3.20.48
